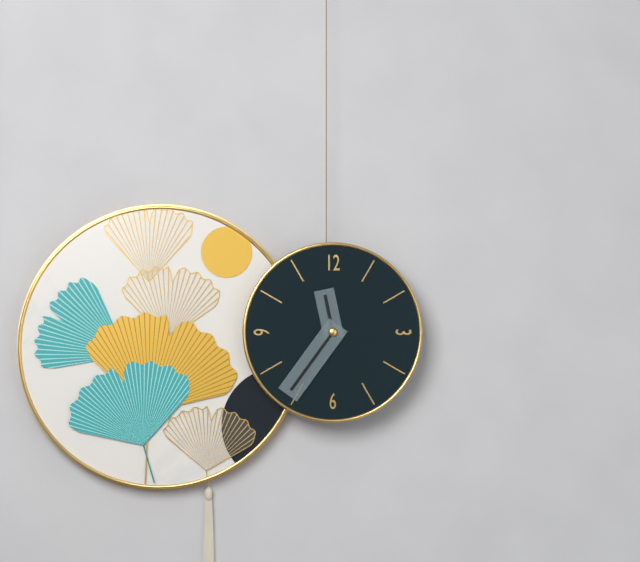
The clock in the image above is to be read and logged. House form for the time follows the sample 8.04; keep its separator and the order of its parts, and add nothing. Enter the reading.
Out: 11.36
